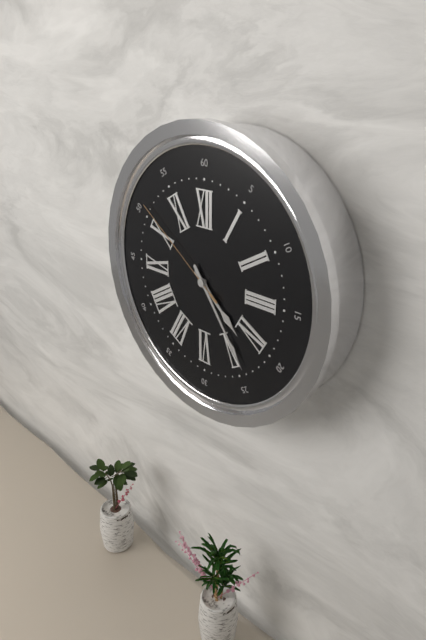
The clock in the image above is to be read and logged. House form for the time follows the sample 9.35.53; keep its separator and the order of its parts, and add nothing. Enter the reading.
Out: 4.24.51
